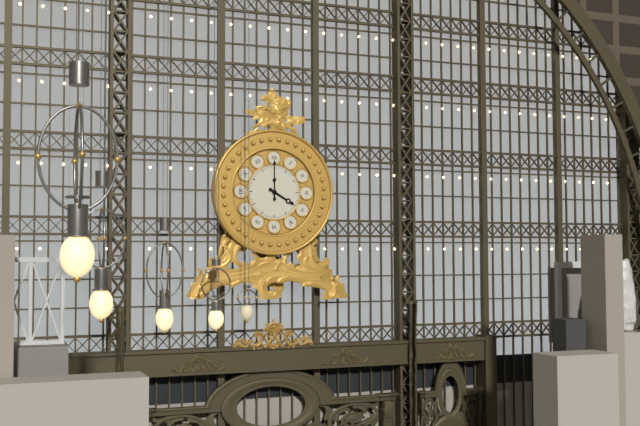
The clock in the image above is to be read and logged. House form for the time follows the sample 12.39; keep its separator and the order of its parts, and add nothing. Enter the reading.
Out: 4.00
